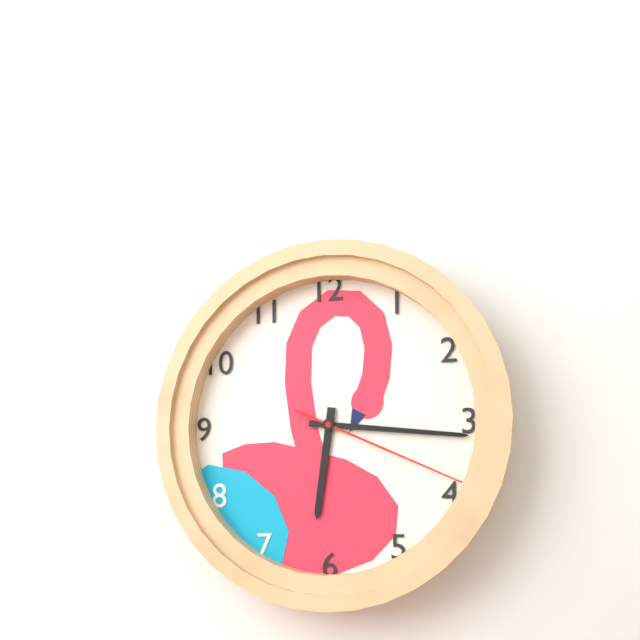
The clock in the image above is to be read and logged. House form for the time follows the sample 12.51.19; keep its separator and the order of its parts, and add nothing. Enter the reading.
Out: 6.16.19
